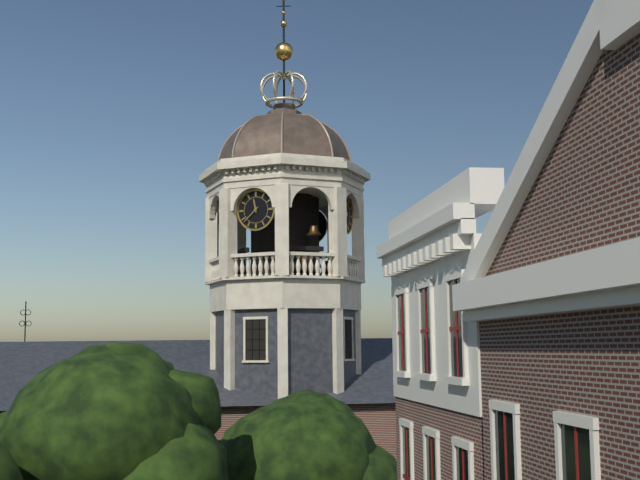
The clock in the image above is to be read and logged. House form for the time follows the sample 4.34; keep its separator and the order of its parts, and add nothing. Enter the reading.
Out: 11.38
